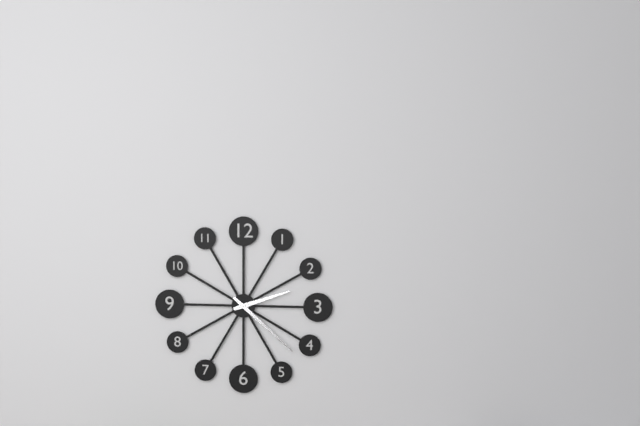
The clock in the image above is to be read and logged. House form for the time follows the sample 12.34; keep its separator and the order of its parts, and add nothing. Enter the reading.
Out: 2.22
